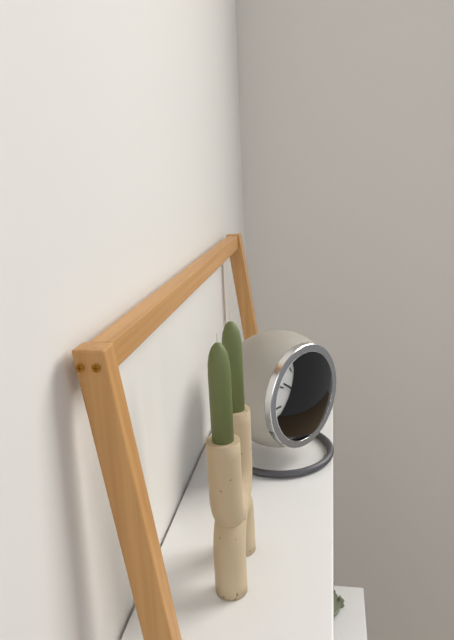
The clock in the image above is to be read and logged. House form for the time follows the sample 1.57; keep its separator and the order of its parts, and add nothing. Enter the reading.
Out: 3.51
